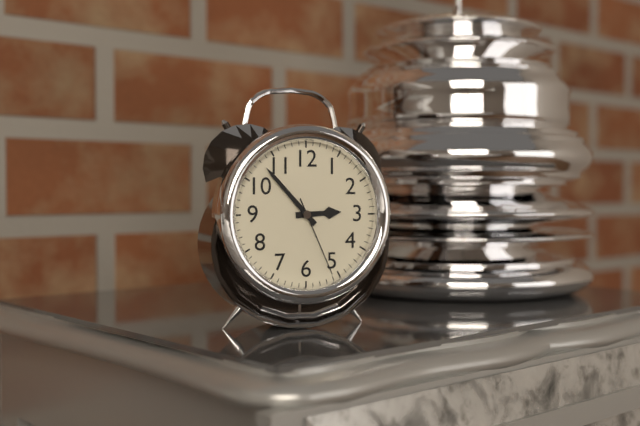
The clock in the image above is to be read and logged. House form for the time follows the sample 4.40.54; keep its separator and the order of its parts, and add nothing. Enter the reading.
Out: 2.53.26
